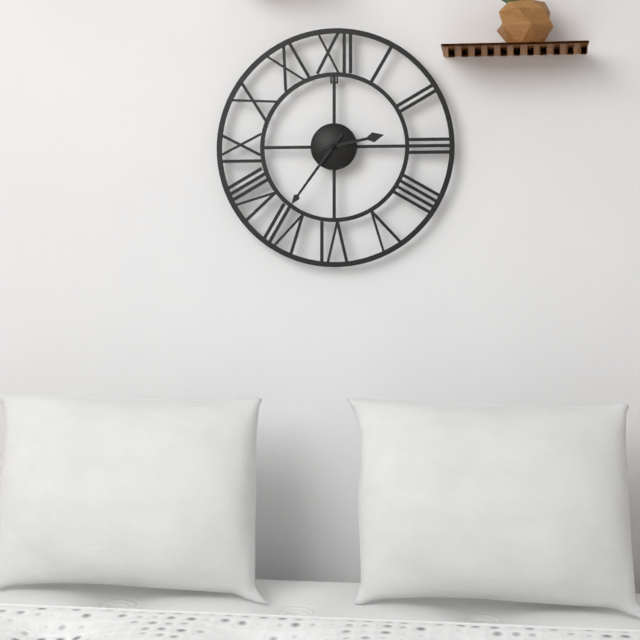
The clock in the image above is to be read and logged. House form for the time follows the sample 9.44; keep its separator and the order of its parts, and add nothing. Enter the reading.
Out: 2.36
